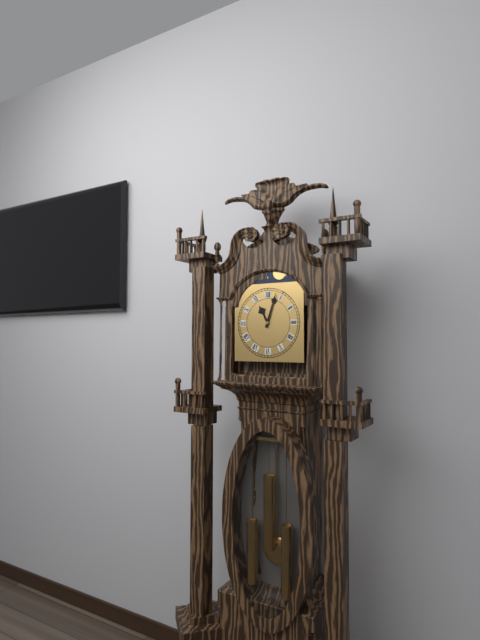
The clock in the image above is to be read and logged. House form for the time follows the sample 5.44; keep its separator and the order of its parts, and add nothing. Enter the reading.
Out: 11.03
